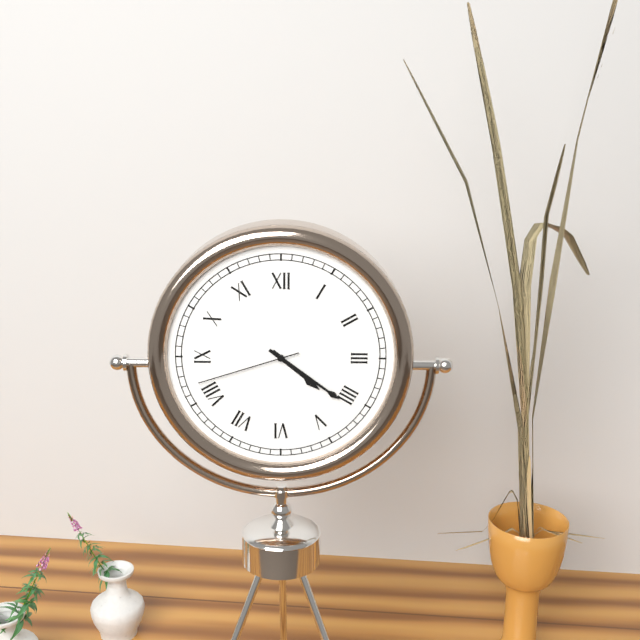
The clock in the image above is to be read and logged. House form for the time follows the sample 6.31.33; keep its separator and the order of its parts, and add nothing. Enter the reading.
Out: 4.21.42
